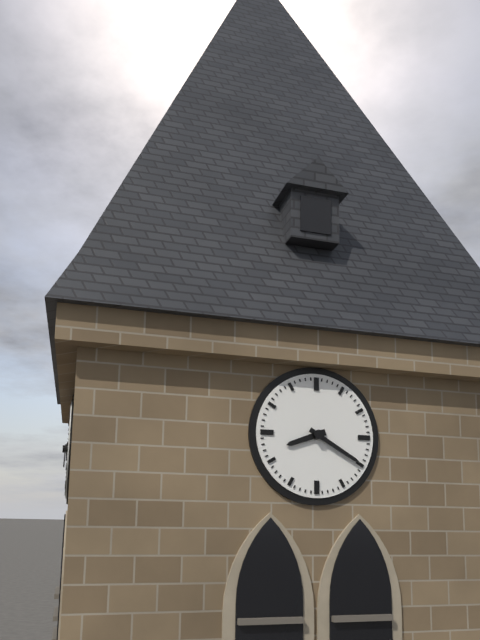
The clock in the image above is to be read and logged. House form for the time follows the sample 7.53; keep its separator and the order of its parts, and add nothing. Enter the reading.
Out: 8.20
